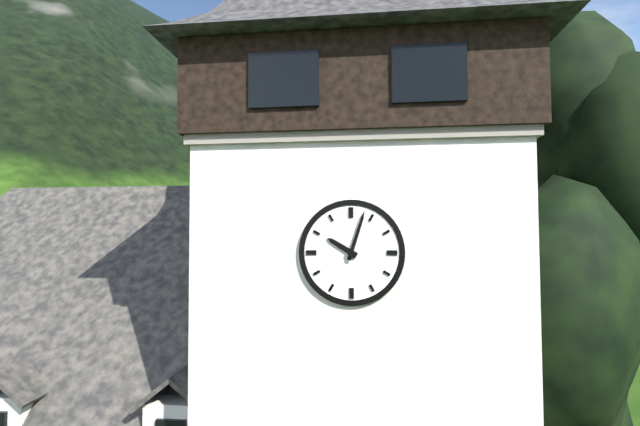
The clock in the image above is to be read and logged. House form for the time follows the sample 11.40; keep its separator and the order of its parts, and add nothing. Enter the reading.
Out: 10.03
